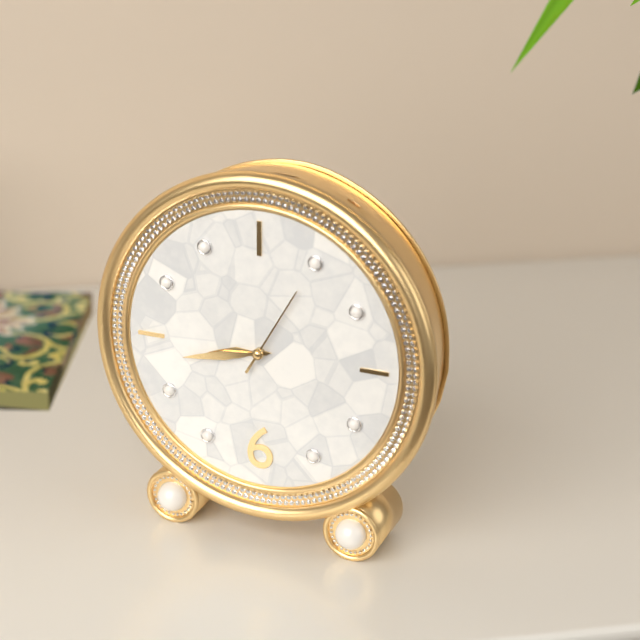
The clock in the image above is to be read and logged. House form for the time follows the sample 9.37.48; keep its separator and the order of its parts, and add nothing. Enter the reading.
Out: 8.43.05
